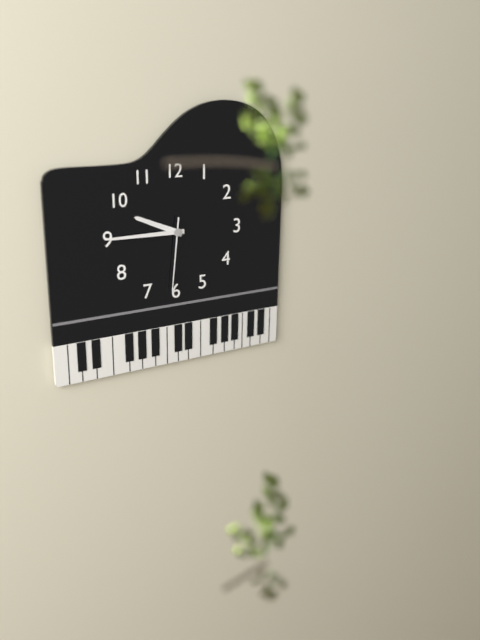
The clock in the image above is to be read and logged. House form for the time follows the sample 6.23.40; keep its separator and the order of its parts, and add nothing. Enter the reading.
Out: 9.45.31
